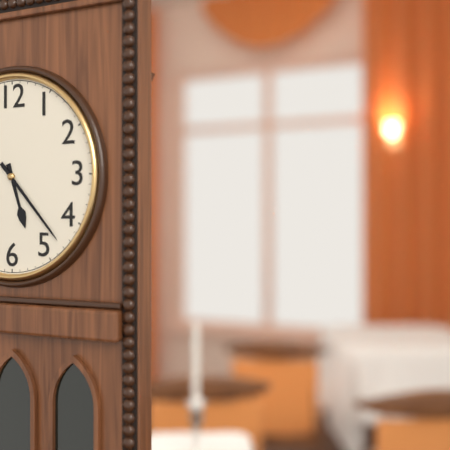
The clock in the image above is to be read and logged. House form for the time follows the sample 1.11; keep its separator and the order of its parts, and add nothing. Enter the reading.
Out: 5.23
